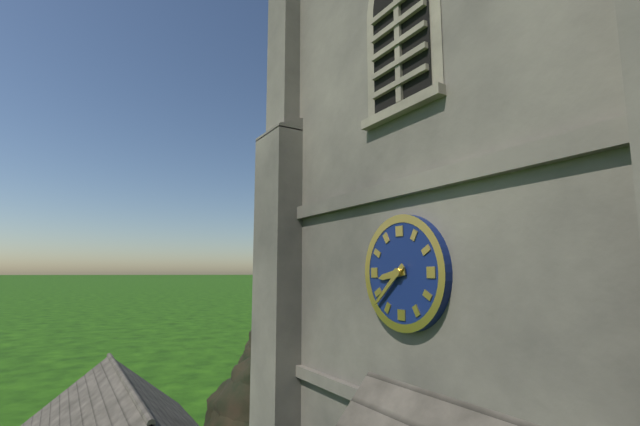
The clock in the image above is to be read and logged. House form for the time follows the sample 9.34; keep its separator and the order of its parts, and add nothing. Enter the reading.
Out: 8.38
